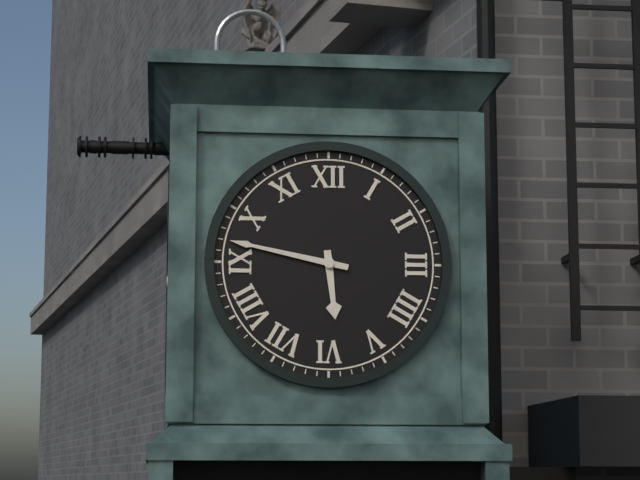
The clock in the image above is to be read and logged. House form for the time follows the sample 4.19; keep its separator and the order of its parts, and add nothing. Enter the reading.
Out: 5.47
